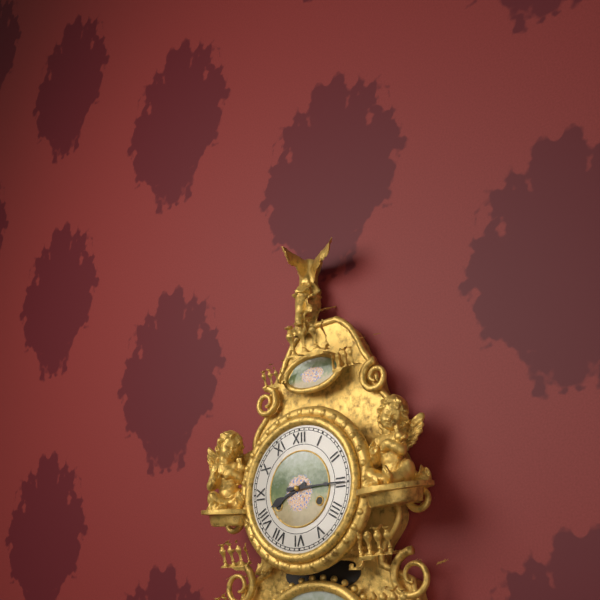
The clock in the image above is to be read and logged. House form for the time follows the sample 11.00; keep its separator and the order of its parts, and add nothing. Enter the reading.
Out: 8.15
